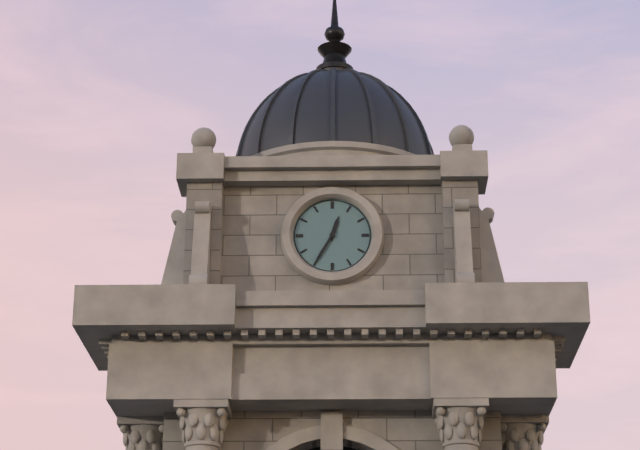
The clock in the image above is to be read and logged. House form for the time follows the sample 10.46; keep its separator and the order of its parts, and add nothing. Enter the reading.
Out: 12.35
